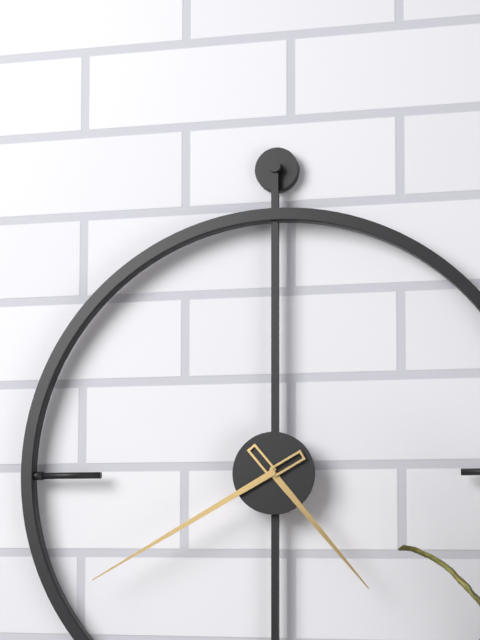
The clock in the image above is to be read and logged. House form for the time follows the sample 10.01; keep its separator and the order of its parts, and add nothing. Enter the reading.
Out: 4.40
